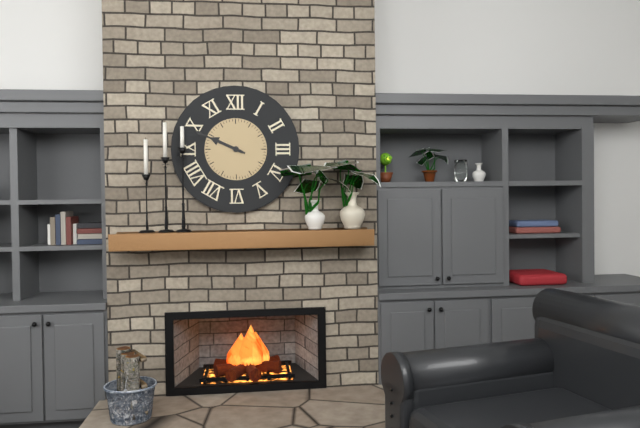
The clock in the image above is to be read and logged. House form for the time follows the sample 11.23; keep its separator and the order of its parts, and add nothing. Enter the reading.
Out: 9.49
